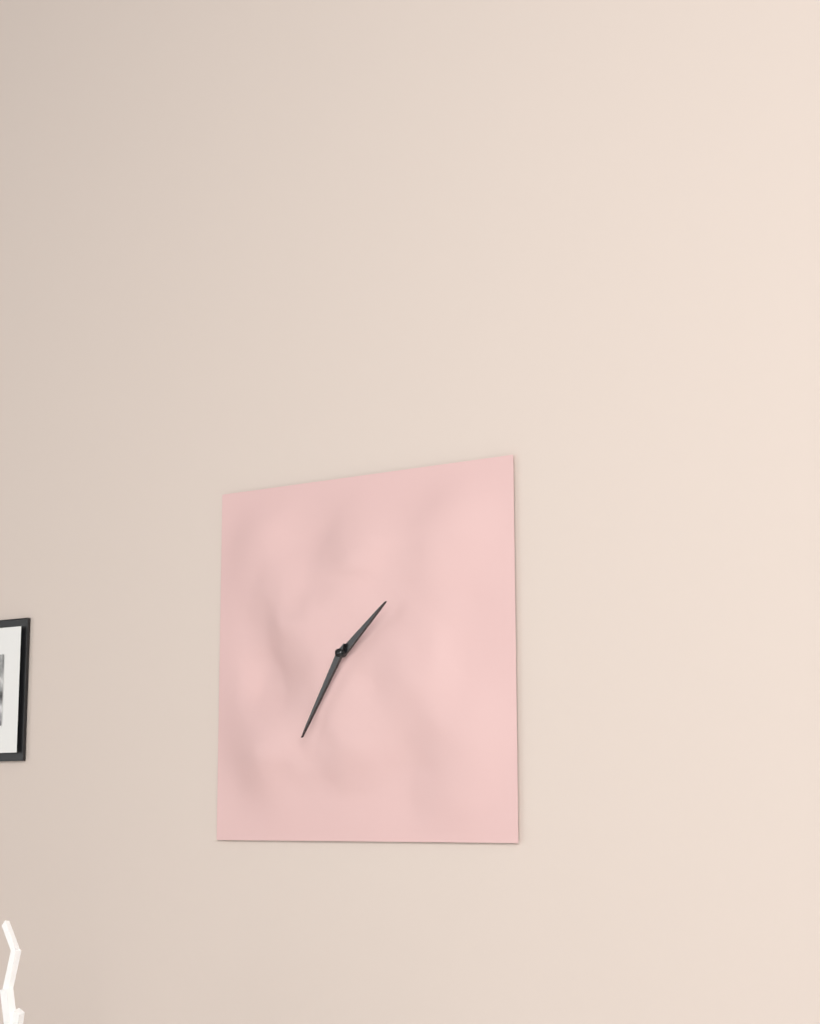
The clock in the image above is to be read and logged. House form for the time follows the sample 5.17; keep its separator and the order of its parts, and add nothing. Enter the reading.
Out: 1.35
